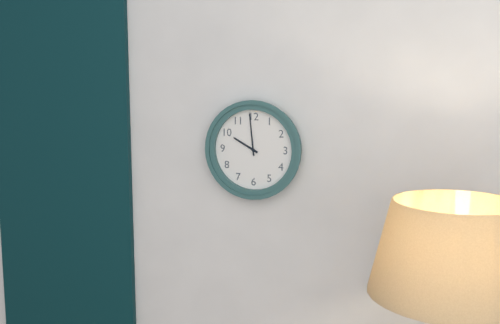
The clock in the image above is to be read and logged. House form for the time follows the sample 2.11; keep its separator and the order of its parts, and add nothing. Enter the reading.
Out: 9.59
